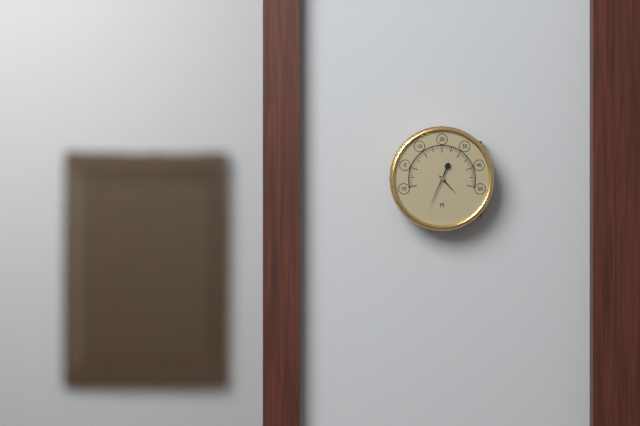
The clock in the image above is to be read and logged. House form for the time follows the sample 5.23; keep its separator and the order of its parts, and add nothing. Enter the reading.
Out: 4.34
